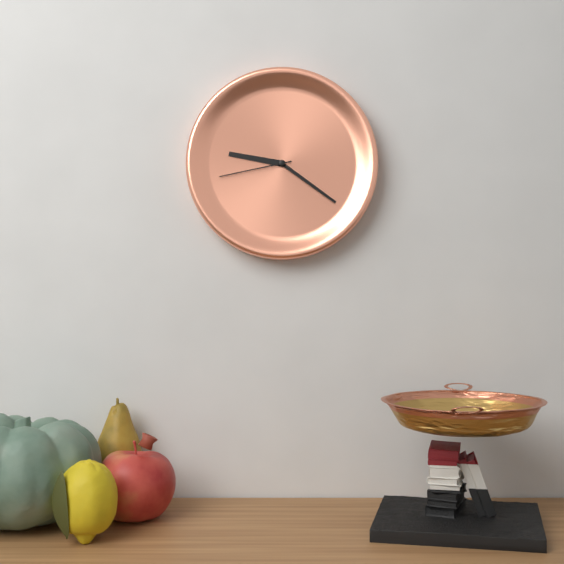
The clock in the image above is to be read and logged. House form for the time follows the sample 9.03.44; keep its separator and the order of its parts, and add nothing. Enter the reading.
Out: 9.21.43
